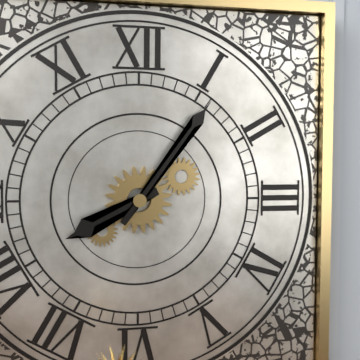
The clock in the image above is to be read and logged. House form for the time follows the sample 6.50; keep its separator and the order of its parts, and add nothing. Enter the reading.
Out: 8.06
